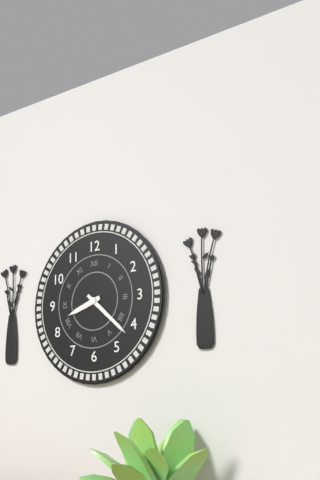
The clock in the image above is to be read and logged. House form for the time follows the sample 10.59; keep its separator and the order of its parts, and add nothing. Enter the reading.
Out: 8.22
